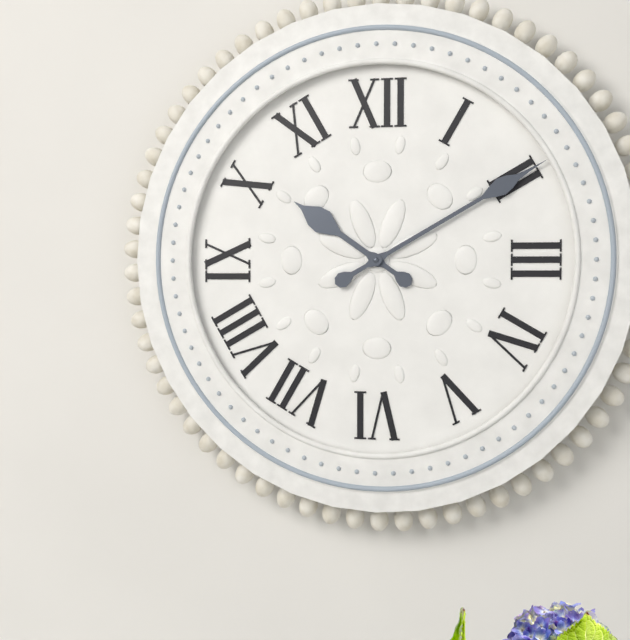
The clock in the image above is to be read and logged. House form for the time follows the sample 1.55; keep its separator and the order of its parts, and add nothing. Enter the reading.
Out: 10.10
